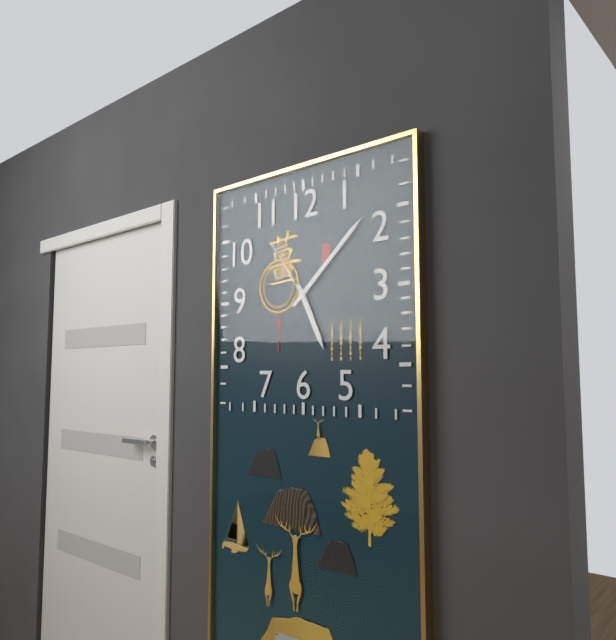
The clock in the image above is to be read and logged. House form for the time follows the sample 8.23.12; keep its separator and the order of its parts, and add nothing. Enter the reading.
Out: 5.08.54
